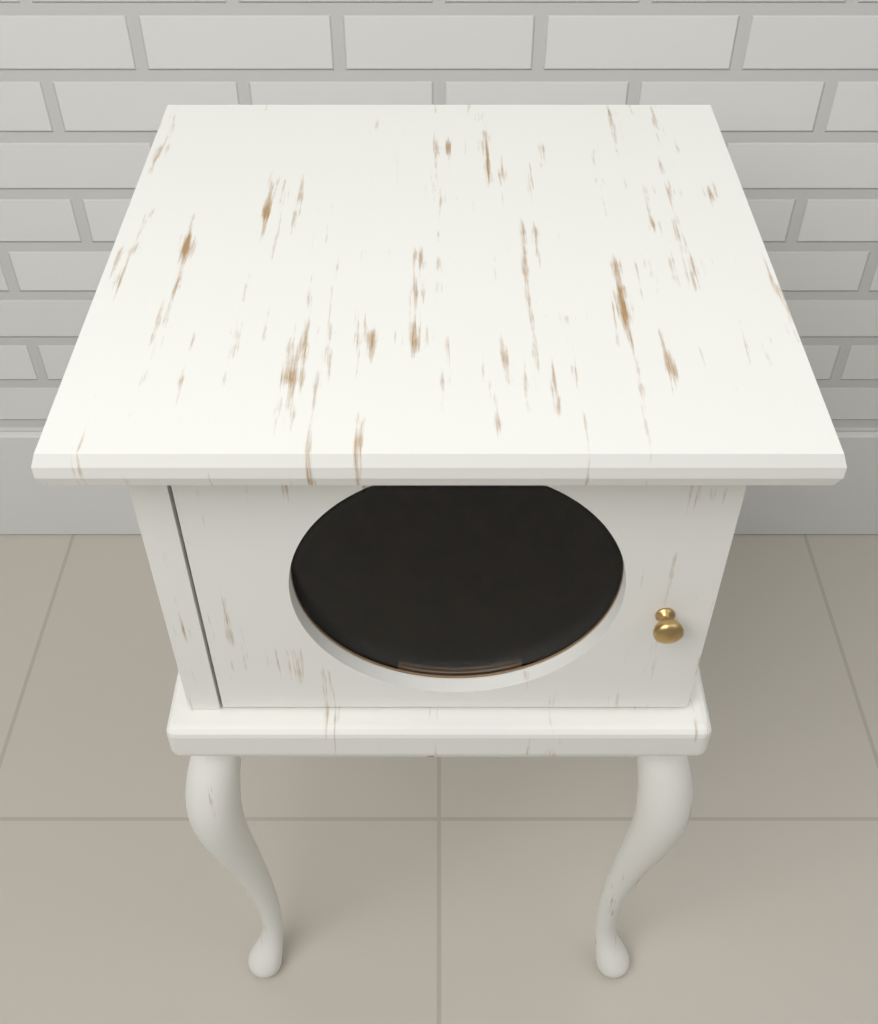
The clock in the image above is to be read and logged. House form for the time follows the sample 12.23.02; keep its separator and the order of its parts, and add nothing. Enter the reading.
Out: 10.17.13
